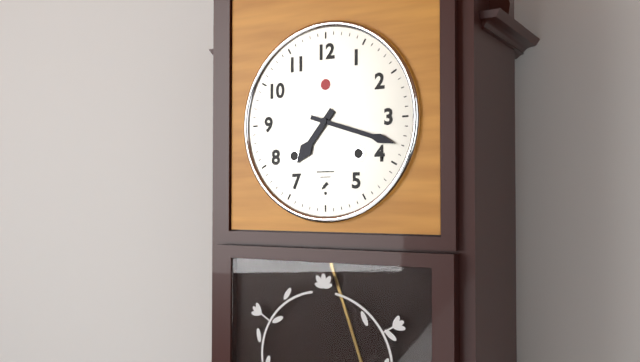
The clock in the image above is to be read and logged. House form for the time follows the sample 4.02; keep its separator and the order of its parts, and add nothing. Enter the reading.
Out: 7.18
